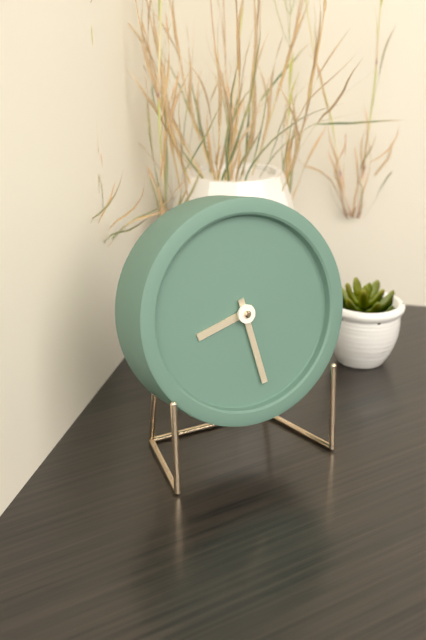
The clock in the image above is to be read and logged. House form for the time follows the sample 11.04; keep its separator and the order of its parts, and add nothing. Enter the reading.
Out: 8.28
